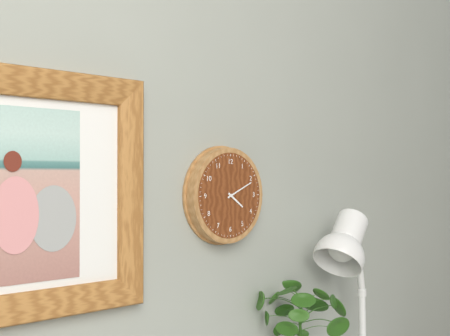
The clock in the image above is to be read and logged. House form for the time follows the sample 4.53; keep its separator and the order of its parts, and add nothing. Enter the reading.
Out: 4.11
